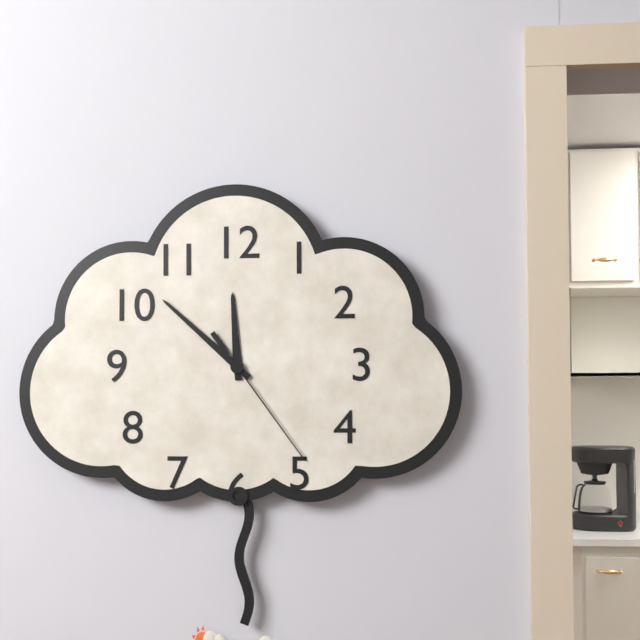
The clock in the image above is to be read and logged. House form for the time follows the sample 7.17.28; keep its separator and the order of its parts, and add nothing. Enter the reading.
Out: 11.52.24
